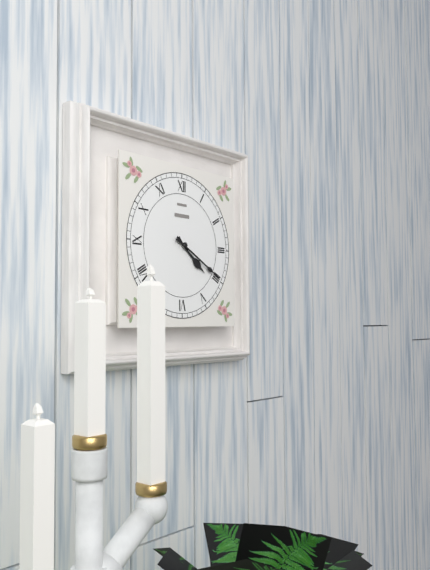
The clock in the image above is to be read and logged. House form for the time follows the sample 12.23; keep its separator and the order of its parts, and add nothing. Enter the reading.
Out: 4.20
